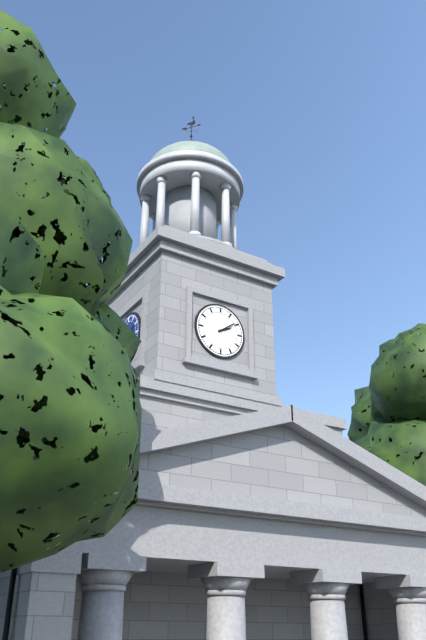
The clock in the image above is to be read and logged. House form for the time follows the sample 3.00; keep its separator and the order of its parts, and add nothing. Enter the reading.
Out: 2.09
